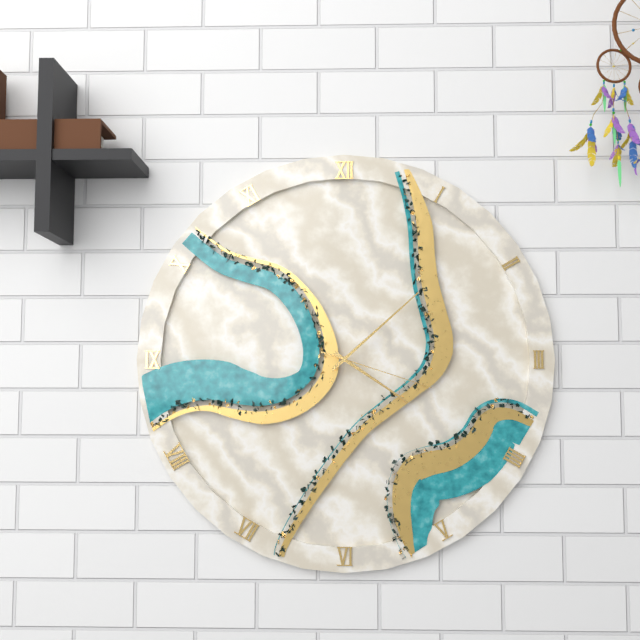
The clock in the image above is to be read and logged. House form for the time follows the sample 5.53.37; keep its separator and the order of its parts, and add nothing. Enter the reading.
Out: 4.08.18
